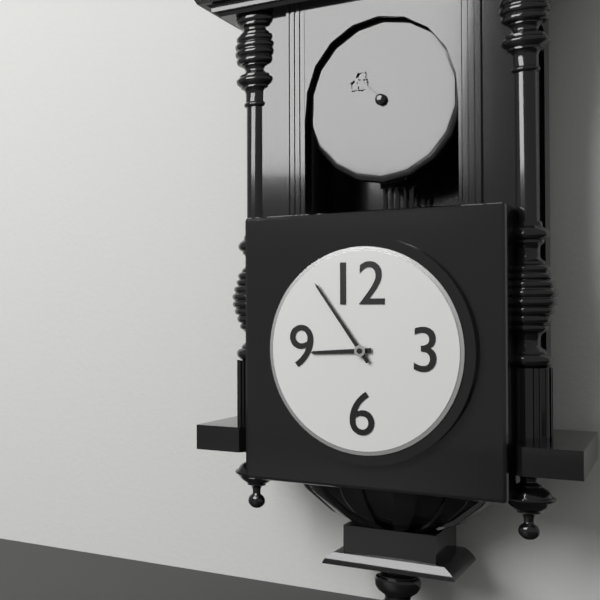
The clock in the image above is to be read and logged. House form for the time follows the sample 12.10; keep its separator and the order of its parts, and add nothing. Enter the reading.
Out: 8.54
